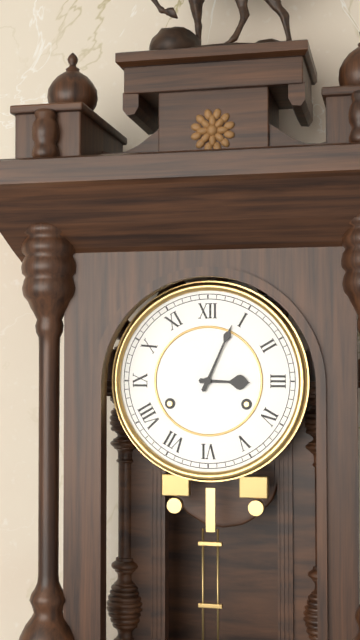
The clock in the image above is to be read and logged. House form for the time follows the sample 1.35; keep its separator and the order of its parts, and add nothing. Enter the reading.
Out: 3.04
